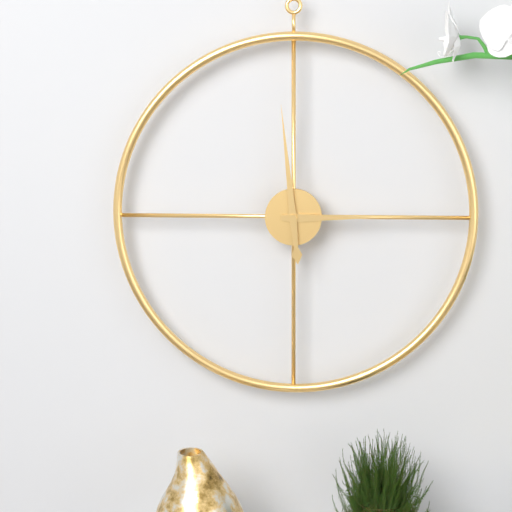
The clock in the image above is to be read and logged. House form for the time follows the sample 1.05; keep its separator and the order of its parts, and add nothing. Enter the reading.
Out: 2.59
